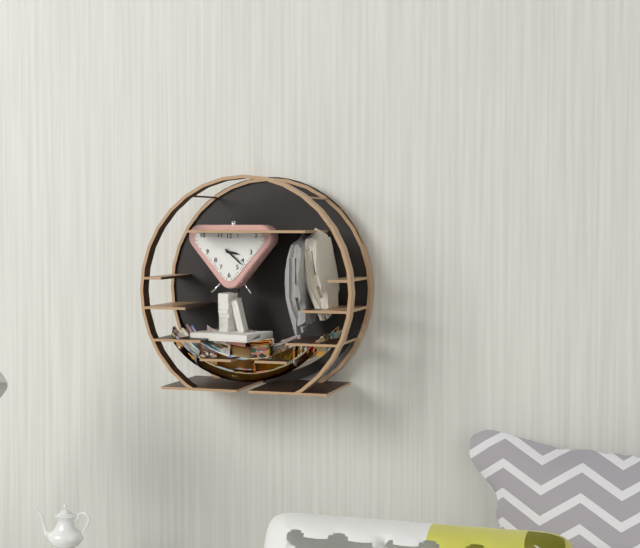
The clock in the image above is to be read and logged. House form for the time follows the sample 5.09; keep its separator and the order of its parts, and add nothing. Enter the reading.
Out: 3.22
